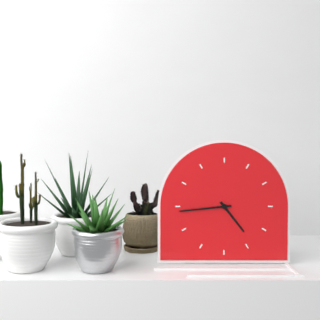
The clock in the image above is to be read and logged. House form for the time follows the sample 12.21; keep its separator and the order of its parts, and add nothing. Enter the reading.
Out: 4.44
